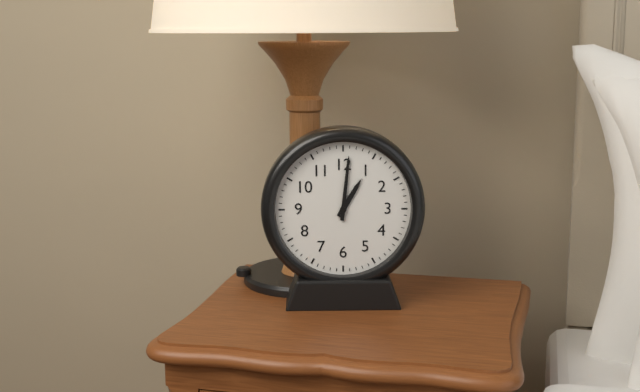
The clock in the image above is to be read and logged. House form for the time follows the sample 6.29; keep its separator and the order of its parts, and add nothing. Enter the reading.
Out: 1.01
